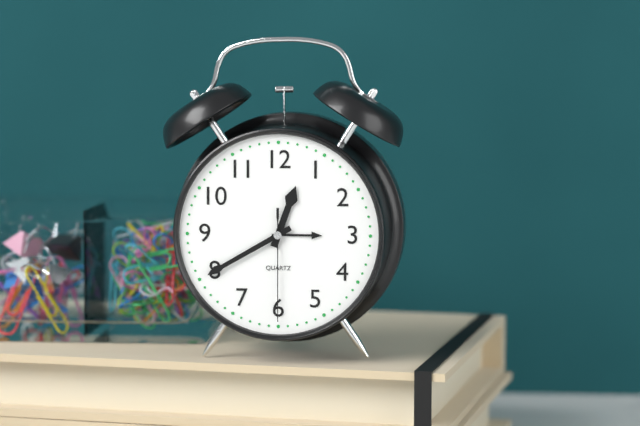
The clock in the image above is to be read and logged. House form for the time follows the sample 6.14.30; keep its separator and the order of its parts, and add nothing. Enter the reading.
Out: 12.40.30
